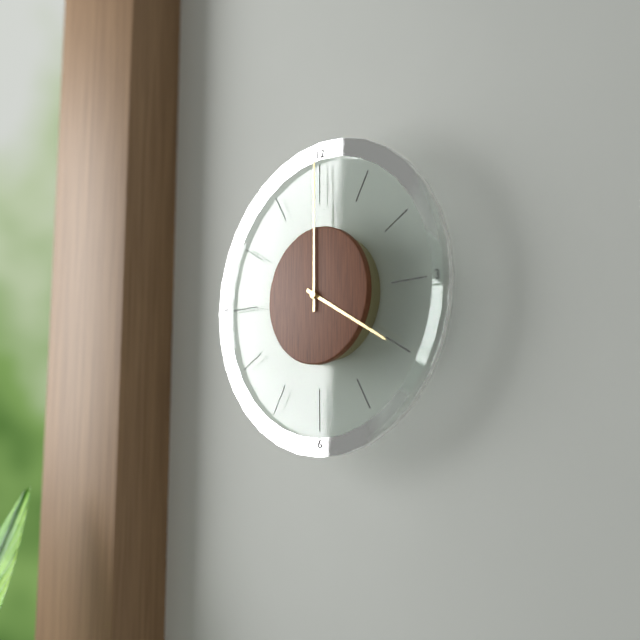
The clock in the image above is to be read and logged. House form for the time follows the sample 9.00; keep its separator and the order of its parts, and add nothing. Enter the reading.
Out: 4.00
